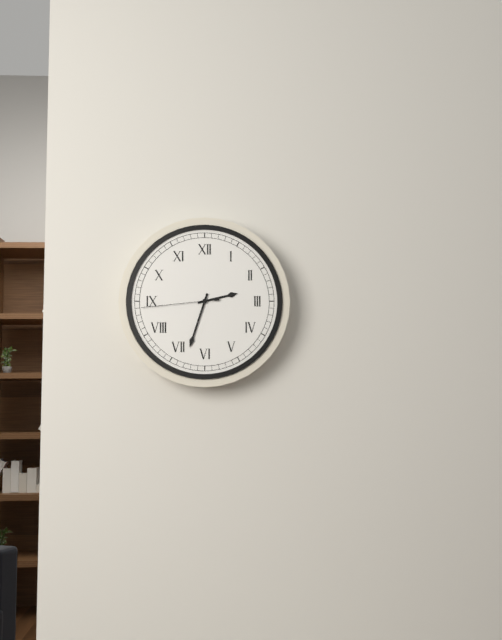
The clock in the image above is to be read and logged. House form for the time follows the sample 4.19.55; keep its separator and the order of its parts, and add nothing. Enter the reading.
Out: 2.33.44
